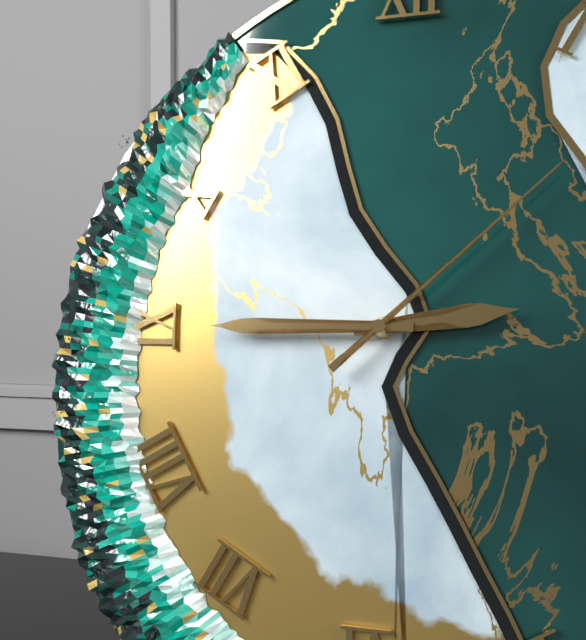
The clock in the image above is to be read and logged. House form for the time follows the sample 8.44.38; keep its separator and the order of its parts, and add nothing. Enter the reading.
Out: 2.45.08
